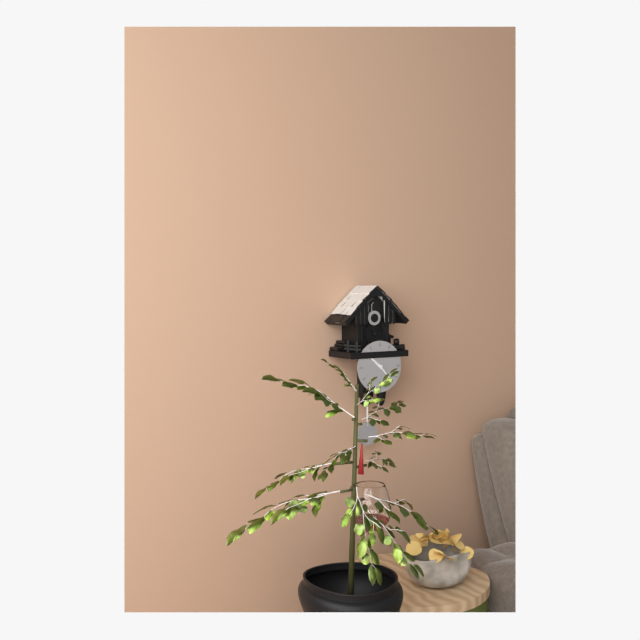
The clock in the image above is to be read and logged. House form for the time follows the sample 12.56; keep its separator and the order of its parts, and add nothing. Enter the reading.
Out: 10.23
